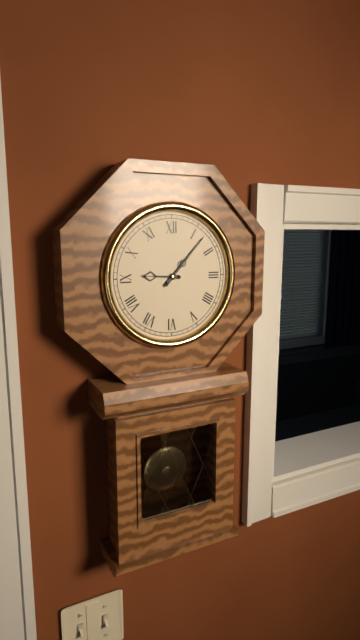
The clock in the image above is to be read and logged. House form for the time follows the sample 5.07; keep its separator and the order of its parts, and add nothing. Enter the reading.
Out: 9.07
